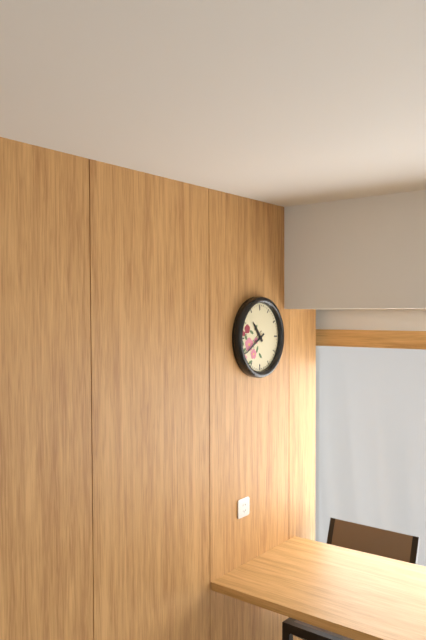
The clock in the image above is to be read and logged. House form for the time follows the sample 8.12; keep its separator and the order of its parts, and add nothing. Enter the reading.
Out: 10.40
